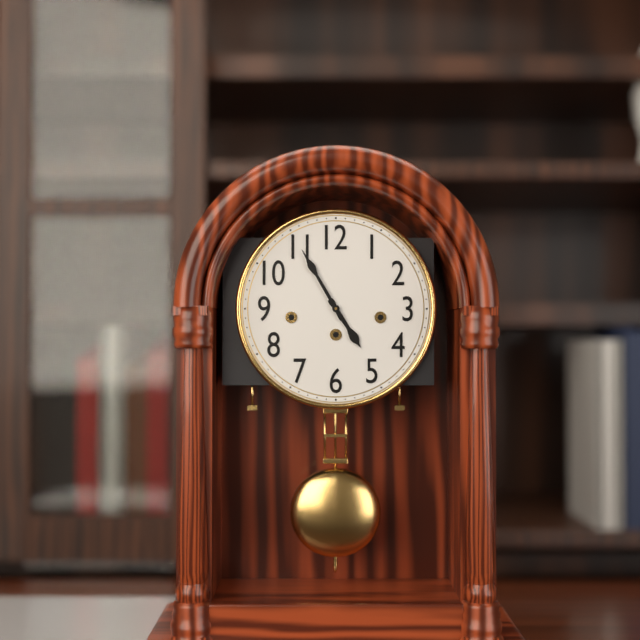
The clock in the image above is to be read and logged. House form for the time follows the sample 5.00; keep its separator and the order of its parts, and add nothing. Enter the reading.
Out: 4.55
